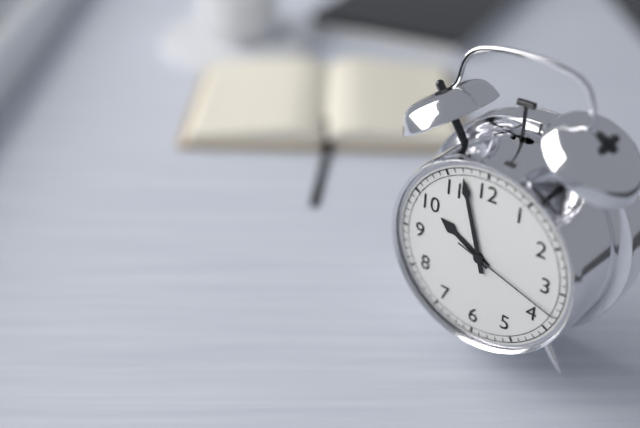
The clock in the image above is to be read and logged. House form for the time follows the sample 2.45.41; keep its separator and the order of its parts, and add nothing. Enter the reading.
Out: 9.57.18
